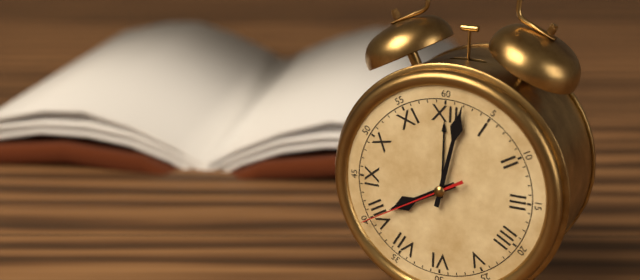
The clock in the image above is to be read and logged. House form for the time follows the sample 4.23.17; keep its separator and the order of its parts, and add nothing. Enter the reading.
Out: 8.02.40
